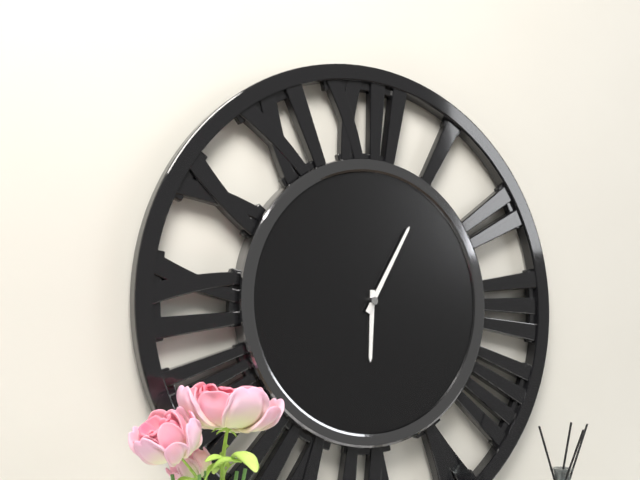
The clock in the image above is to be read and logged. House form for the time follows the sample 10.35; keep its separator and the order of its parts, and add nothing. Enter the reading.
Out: 6.05
